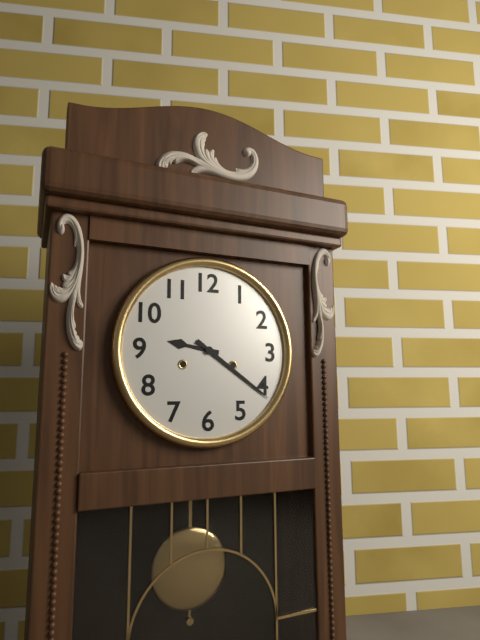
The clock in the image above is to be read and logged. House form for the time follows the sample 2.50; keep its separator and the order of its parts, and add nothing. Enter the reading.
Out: 9.21
